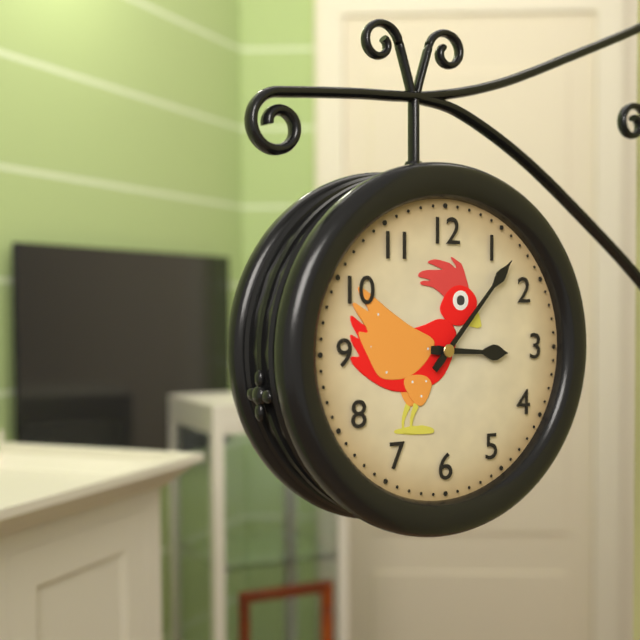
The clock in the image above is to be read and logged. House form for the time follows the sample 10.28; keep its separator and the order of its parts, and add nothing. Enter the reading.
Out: 3.07
